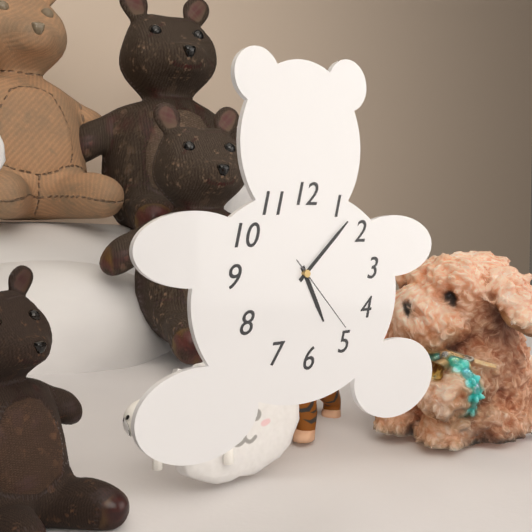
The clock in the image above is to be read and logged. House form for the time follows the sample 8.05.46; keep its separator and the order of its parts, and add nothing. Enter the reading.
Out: 5.08.23
